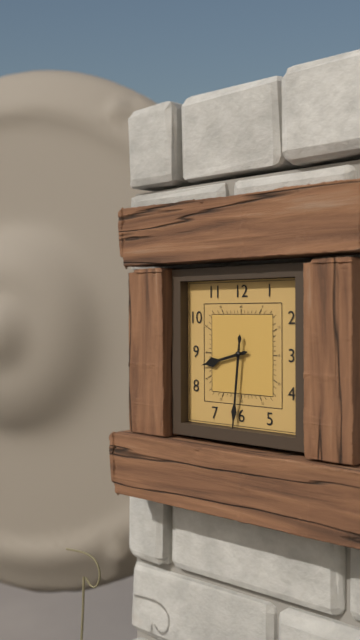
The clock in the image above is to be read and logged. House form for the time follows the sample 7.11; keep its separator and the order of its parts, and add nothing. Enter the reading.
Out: 8.31
